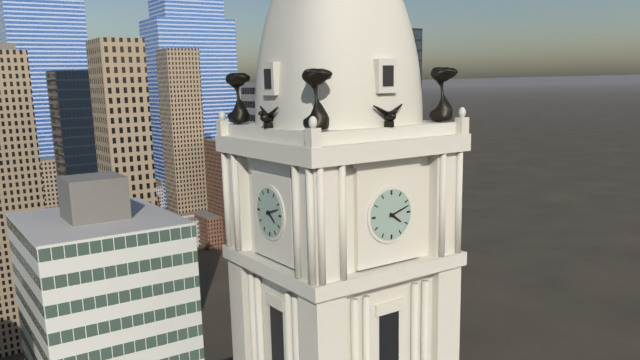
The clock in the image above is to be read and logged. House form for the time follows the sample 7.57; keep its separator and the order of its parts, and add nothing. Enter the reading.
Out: 4.12
